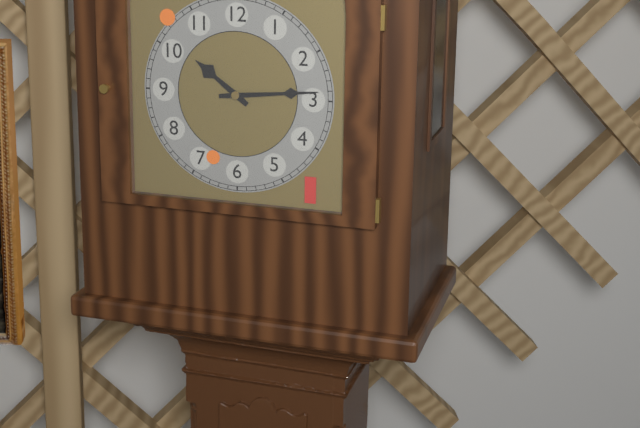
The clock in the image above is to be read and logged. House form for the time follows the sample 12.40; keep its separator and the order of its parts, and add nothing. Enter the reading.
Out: 10.14
